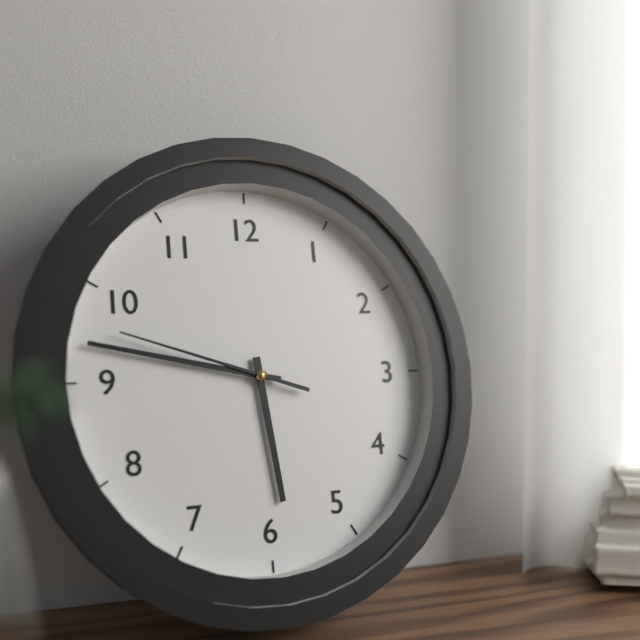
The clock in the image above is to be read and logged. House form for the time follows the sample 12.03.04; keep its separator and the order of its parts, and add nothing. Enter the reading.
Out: 5.47.48
